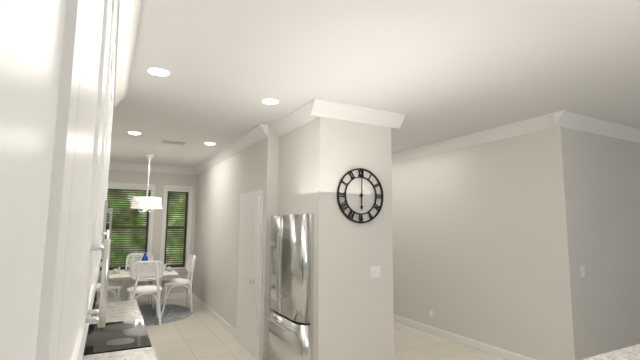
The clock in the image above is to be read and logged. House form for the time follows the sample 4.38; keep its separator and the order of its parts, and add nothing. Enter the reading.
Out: 6.00
